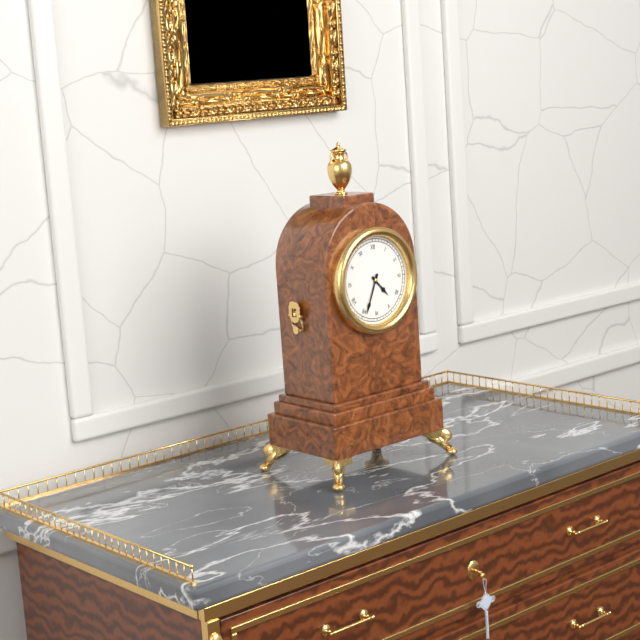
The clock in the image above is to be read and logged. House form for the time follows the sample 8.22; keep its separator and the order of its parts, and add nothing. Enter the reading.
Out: 4.34
